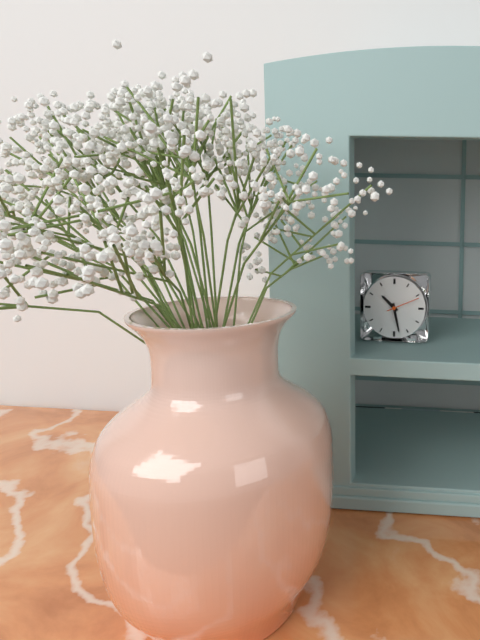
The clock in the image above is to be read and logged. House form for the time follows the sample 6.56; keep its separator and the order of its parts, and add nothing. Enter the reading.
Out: 10.28
